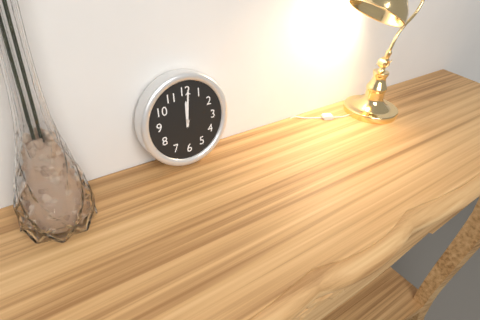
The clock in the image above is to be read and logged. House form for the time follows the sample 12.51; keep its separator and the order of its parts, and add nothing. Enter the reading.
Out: 12.01
